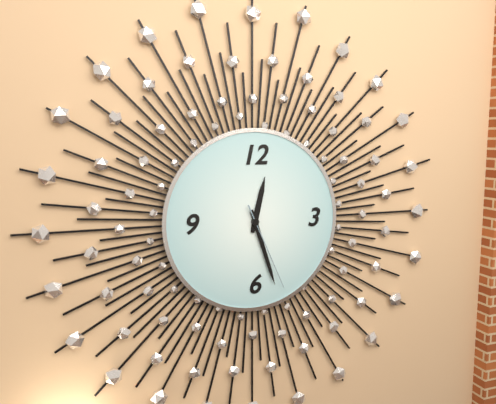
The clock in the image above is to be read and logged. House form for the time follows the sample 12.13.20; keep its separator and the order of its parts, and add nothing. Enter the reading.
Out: 12.27.26
